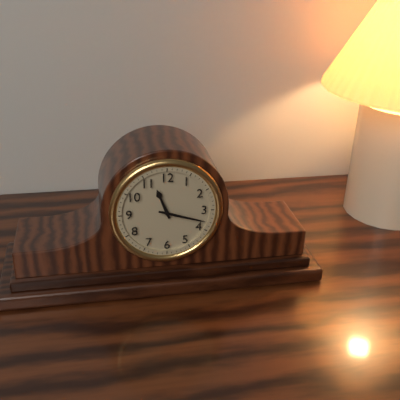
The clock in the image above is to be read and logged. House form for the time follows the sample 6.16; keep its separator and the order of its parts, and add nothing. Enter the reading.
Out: 11.18
